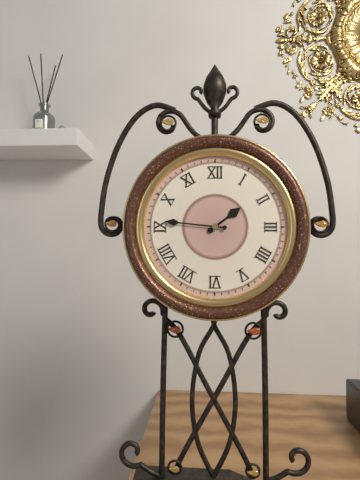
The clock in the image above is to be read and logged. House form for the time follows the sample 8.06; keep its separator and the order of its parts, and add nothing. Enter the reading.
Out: 1.46
